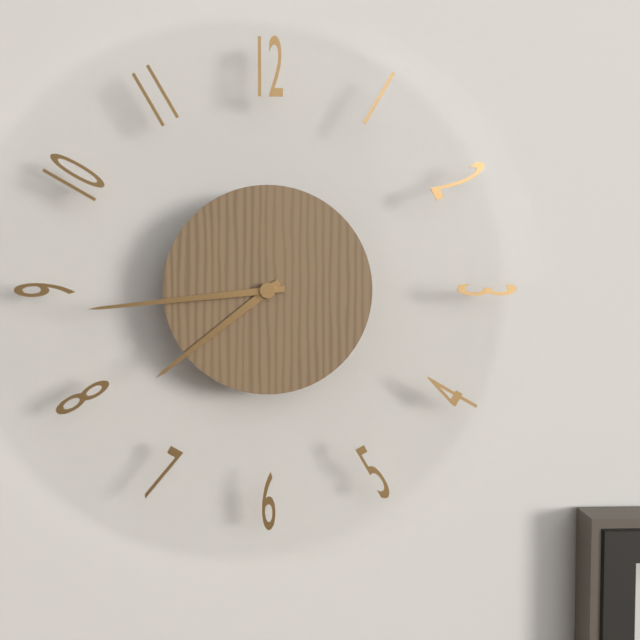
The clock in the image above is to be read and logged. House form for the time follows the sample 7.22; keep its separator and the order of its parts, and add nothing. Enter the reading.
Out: 7.44
